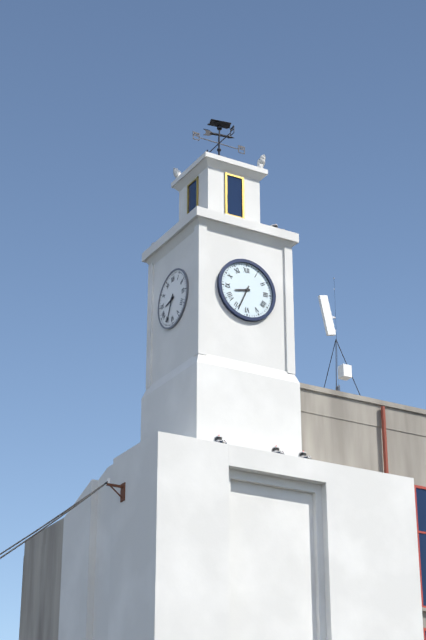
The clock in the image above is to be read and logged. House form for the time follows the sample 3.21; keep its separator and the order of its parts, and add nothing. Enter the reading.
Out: 8.34
